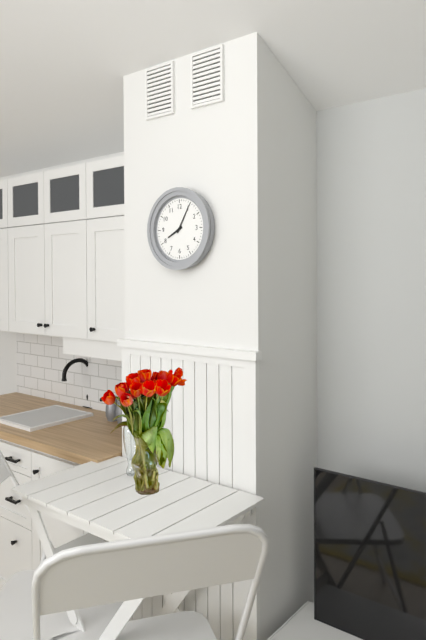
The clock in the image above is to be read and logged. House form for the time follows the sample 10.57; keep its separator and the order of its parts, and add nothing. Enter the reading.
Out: 8.05
